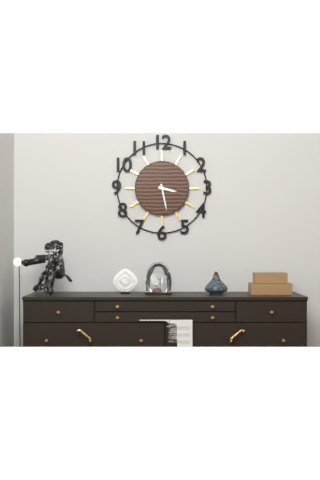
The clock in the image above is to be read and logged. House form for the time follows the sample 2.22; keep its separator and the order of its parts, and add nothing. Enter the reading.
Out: 3.28
